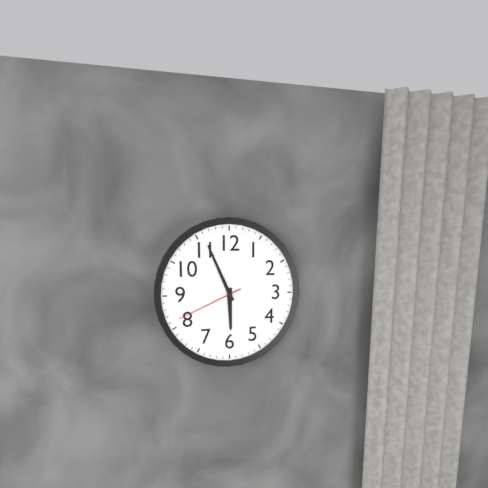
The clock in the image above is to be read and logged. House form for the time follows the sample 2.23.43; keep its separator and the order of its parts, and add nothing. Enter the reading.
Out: 5.56.41
